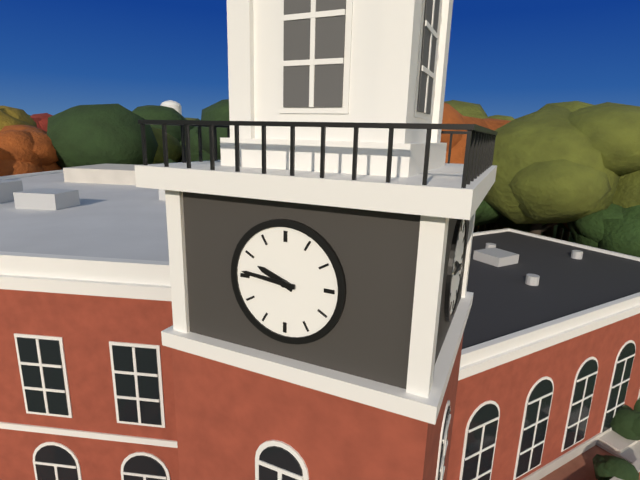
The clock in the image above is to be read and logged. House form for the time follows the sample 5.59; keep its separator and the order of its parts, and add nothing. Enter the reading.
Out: 9.46
